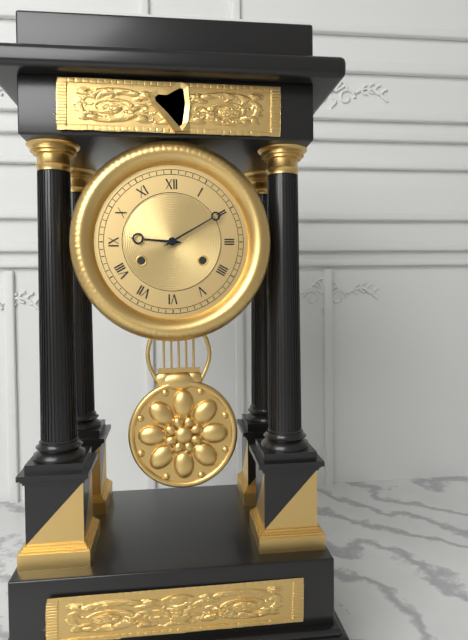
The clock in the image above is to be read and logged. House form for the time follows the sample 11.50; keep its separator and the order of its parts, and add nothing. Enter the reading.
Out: 9.10
